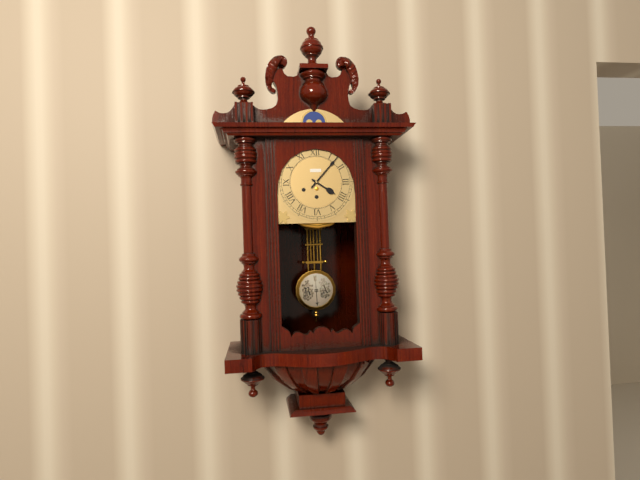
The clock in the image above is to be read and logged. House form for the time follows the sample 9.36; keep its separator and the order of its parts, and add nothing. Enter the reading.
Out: 4.07
